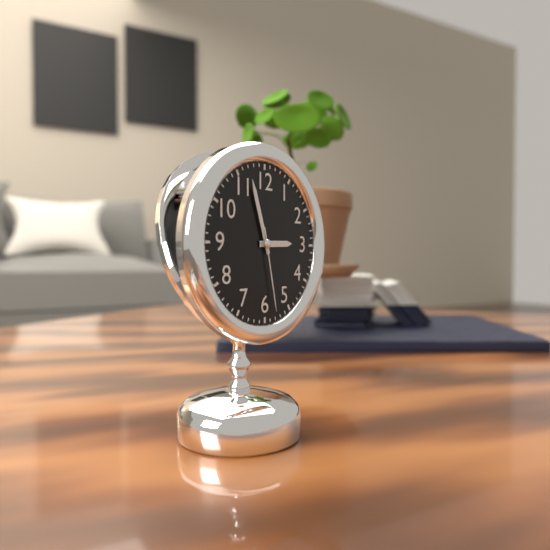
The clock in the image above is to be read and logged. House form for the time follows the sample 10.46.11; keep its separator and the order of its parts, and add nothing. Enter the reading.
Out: 2.57.28
